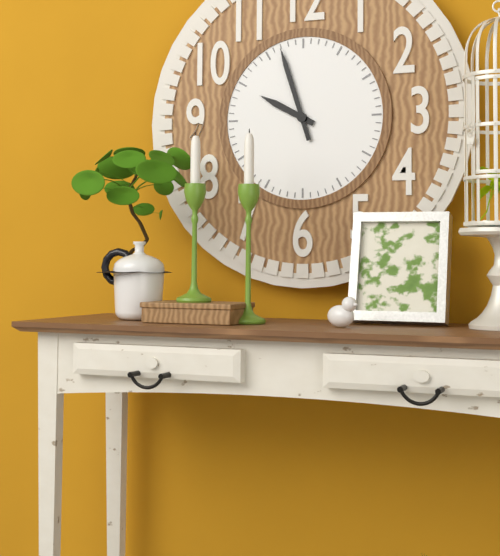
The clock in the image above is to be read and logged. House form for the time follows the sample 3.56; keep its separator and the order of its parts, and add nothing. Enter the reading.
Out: 9.57
